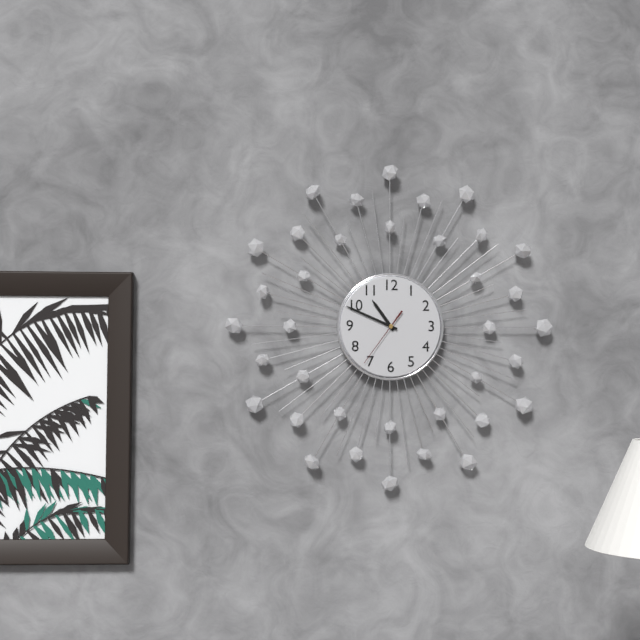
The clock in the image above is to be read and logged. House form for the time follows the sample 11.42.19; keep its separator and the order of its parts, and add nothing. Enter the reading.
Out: 10.49.36
